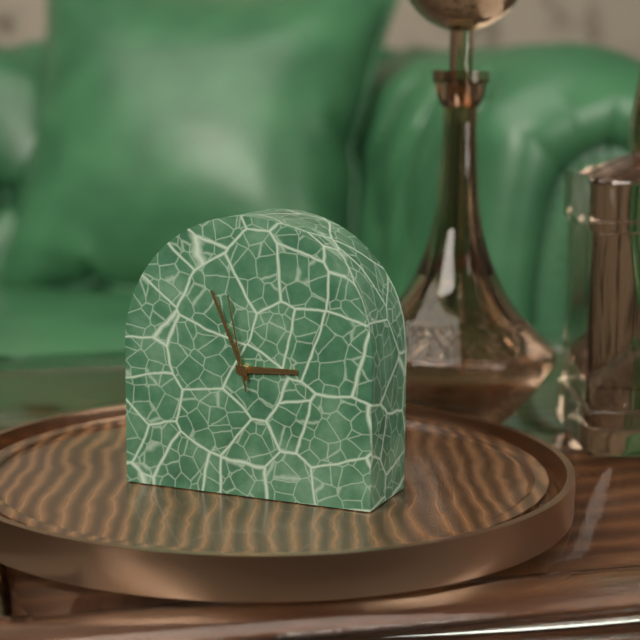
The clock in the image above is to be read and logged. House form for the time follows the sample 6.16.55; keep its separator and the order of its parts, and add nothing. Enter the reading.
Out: 2.56.58
